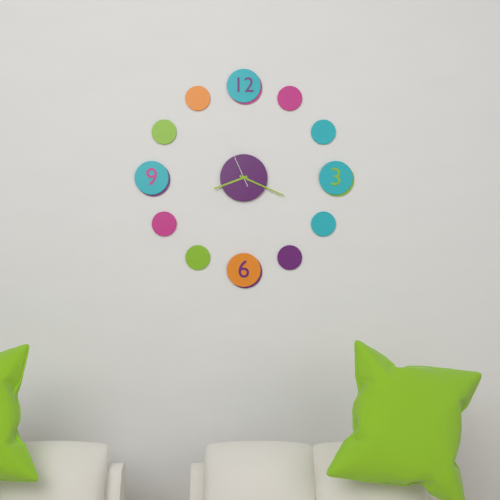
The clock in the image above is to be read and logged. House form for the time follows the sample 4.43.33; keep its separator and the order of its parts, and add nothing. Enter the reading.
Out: 8.19.56
